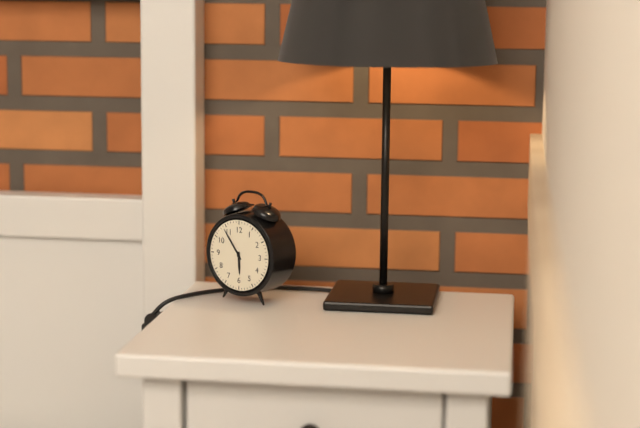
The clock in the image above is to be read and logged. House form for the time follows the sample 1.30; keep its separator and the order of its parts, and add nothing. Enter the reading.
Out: 5.54
